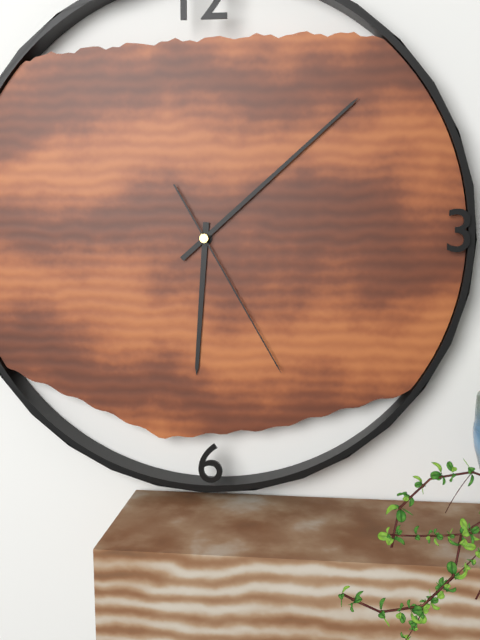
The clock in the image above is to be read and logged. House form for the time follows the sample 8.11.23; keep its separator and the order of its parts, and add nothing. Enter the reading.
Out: 6.08.25
